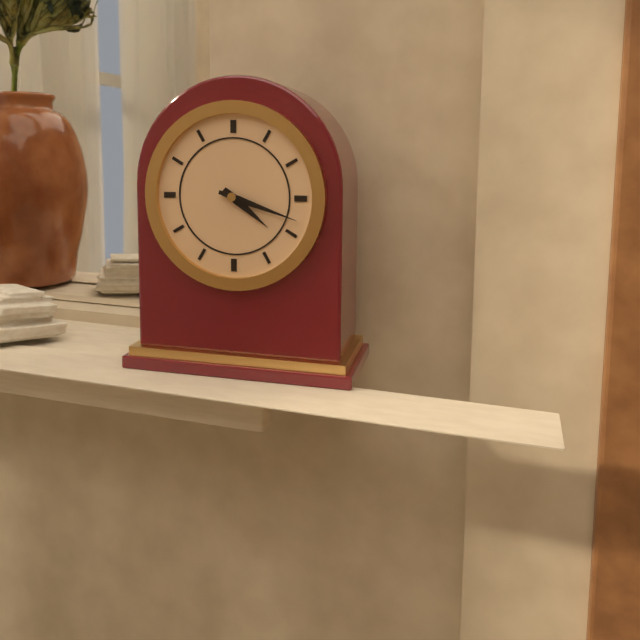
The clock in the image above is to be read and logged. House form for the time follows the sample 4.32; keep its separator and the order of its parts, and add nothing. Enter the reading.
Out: 4.18
